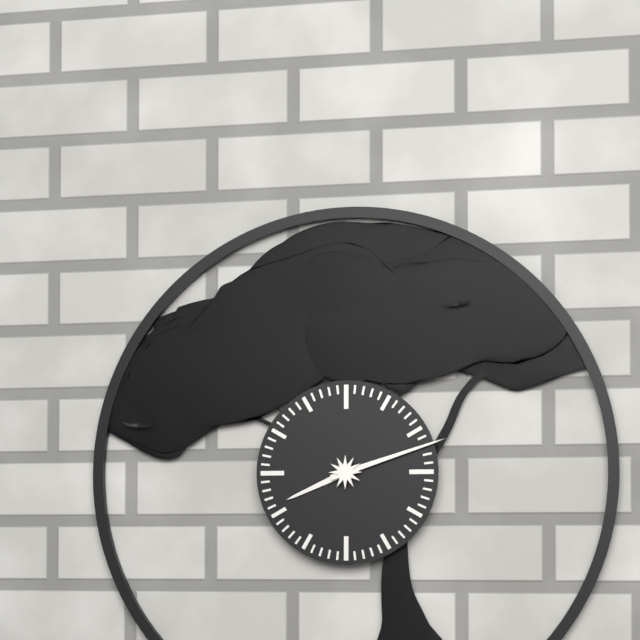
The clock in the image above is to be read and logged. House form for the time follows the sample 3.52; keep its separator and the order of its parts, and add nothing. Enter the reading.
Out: 8.12
